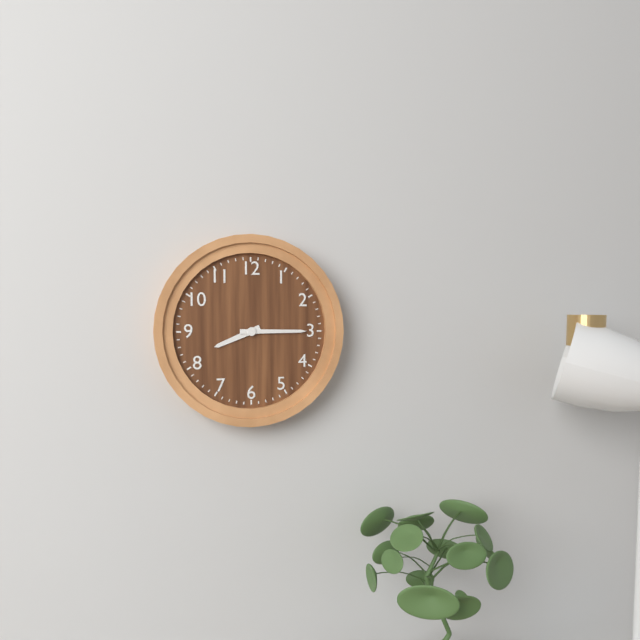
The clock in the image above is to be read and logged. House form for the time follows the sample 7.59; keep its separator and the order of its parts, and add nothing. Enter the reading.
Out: 8.15
